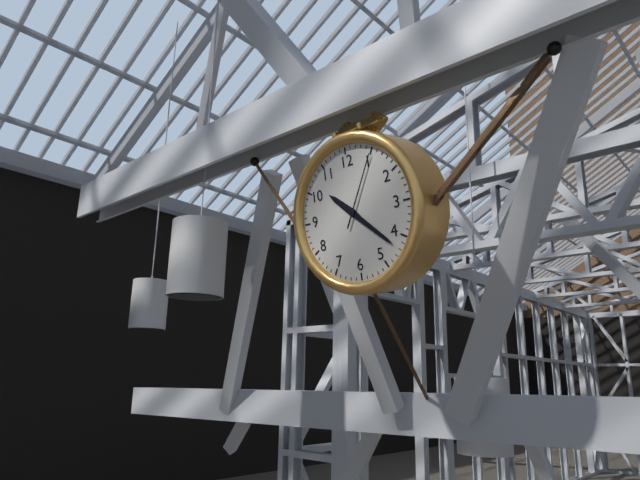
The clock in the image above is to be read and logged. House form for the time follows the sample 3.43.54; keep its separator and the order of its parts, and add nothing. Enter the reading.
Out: 10.22.05
